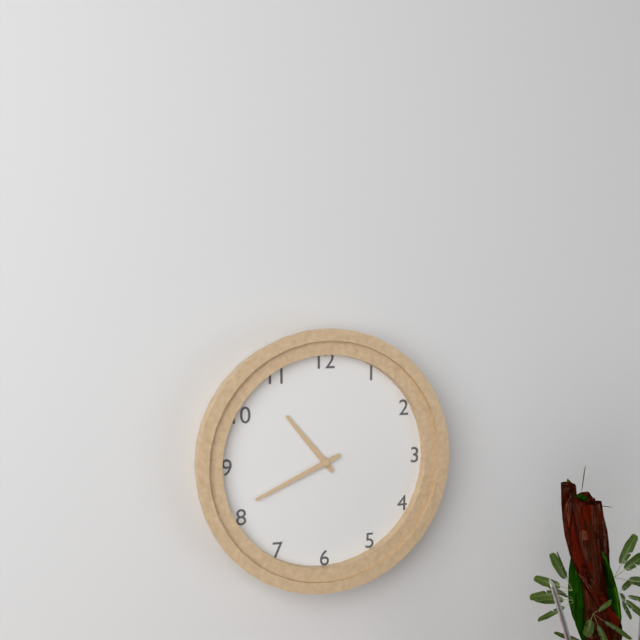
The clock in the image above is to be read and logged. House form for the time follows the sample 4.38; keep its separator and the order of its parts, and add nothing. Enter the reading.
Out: 10.41
